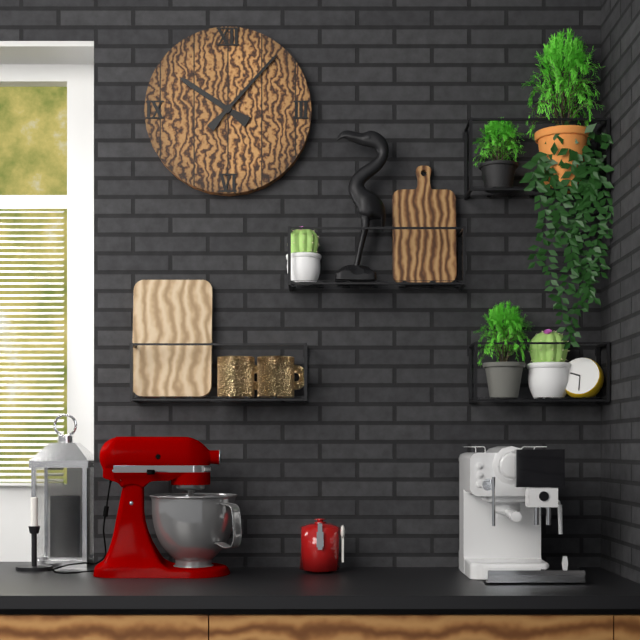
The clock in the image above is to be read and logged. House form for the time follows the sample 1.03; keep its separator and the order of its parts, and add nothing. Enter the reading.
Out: 10.07
